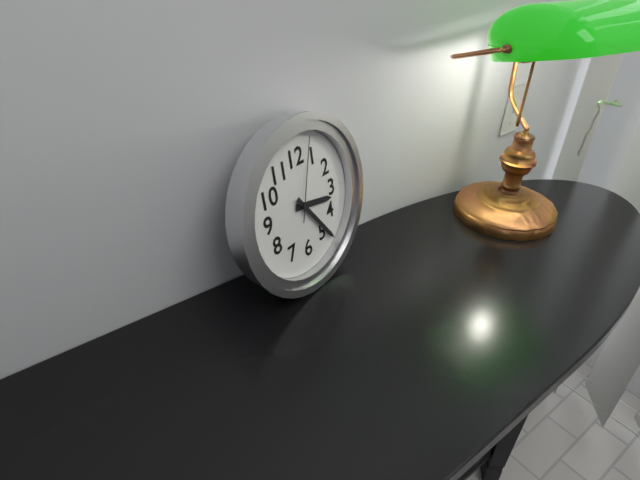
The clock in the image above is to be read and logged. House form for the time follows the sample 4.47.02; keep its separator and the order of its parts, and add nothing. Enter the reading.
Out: 3.24.03
